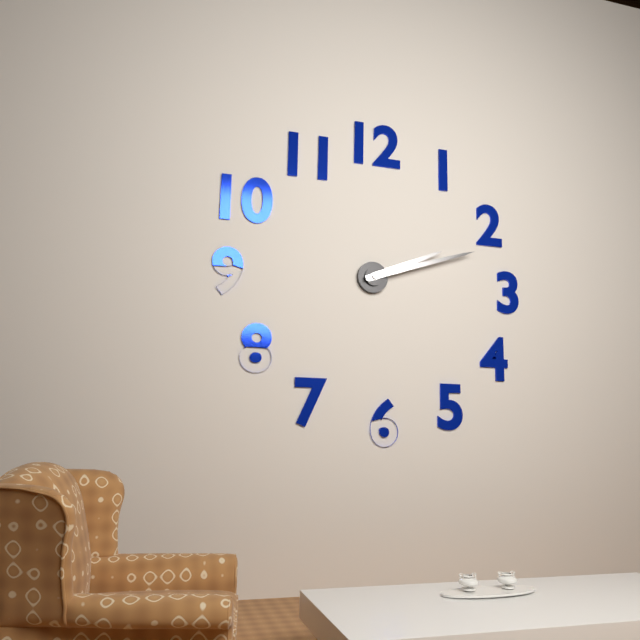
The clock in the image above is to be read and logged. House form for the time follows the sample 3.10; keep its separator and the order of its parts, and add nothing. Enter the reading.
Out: 2.12
